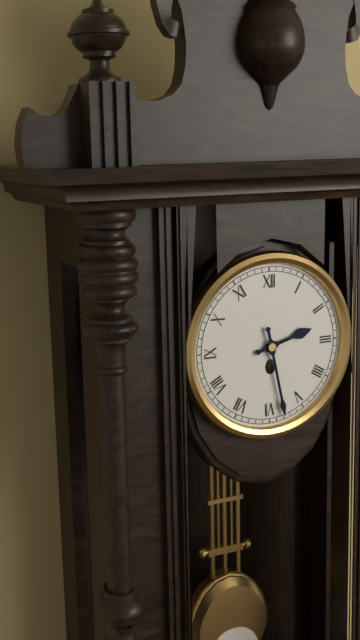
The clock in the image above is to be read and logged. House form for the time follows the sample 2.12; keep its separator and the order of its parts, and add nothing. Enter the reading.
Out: 2.28
